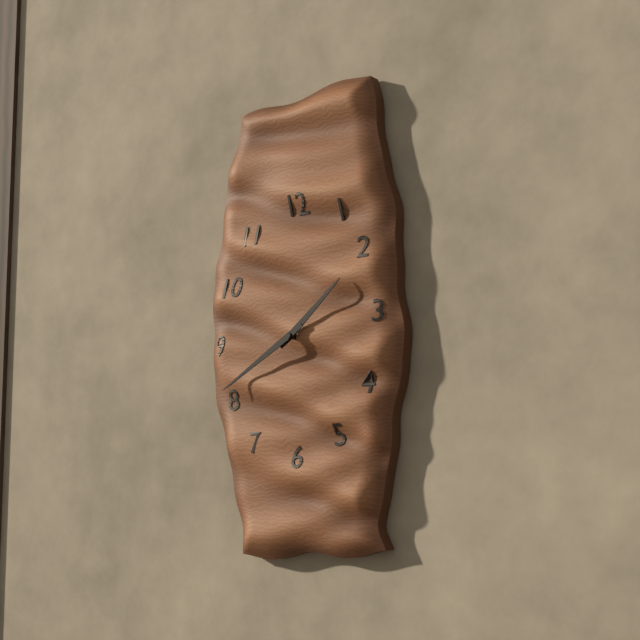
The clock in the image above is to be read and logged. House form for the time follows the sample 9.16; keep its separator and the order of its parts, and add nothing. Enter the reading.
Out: 1.40
